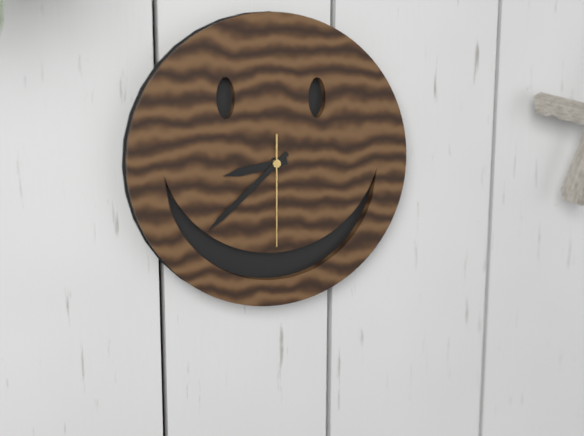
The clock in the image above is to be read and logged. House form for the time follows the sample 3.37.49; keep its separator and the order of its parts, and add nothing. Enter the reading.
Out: 8.38.30
